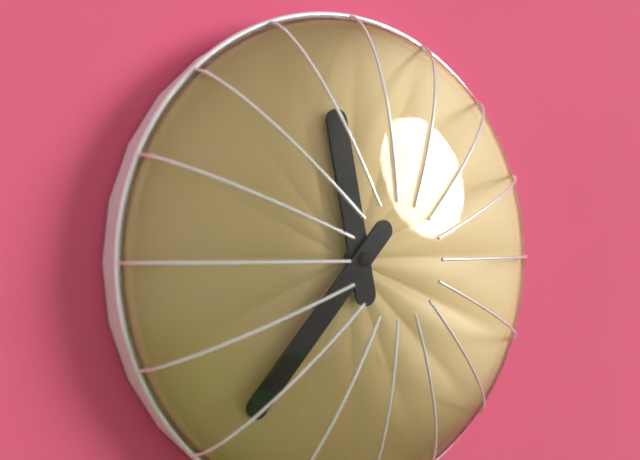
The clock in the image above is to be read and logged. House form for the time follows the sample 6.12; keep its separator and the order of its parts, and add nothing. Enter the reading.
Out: 11.37
